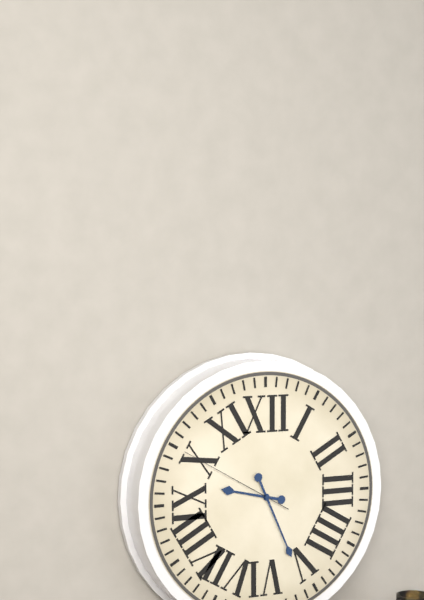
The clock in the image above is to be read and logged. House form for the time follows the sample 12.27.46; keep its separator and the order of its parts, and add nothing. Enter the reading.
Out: 9.26.50
